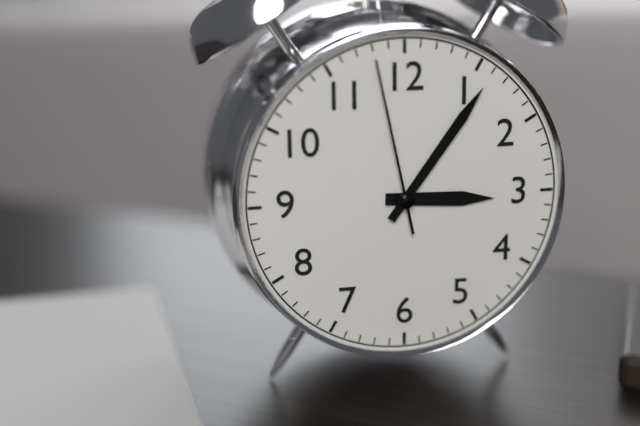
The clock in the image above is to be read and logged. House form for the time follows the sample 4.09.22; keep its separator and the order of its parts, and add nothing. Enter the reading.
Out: 3.06.58
